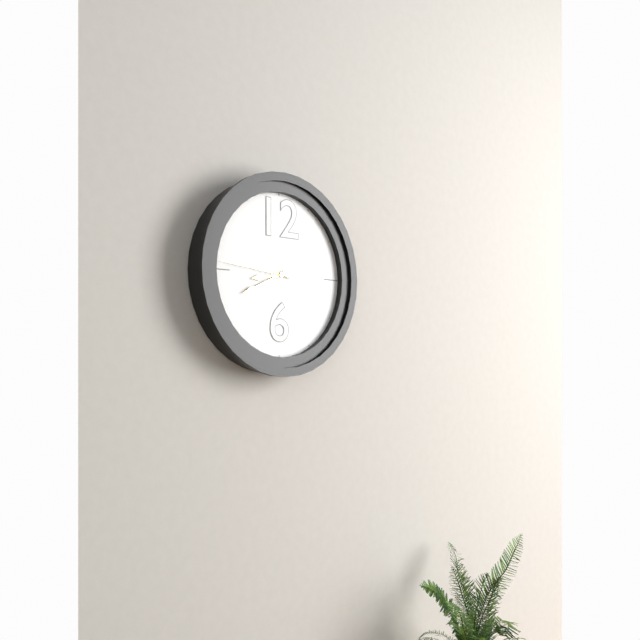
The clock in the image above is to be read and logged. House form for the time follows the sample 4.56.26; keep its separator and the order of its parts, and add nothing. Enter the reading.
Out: 8.41.46
